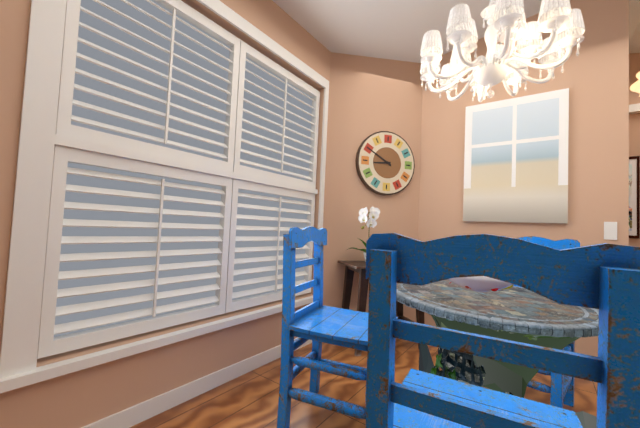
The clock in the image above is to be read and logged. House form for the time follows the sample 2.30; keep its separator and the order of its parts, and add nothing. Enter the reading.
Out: 8.50
